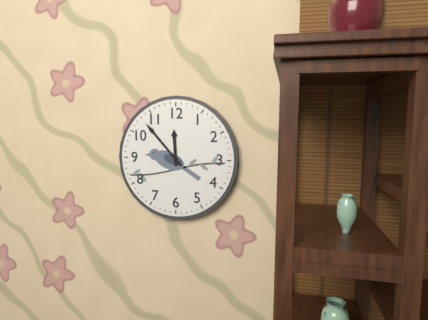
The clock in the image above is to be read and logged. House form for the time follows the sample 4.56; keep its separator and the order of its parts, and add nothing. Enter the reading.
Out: 11.53
